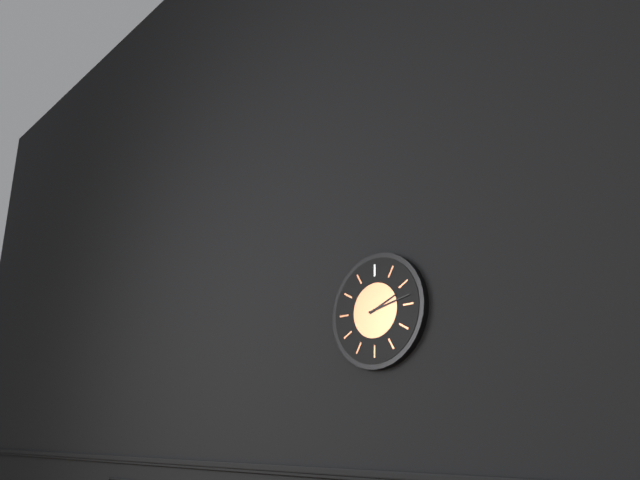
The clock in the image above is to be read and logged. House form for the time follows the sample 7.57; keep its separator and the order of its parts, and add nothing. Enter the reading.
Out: 2.13
